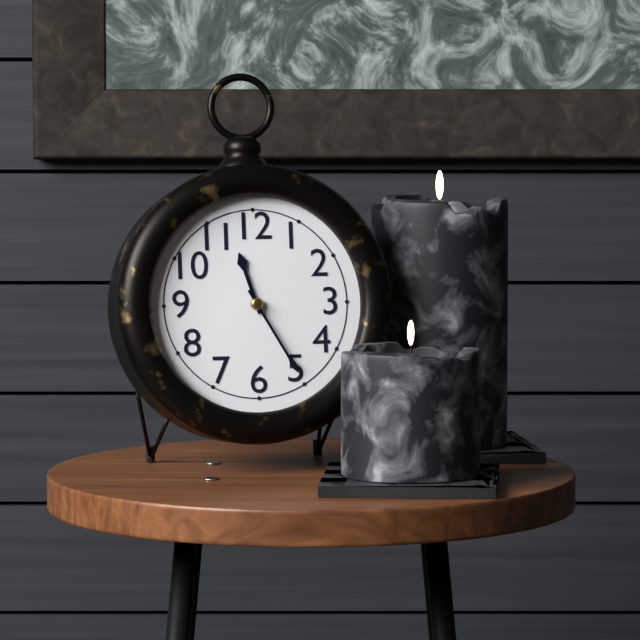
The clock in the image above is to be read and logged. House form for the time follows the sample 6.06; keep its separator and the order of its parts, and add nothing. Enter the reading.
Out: 11.25
